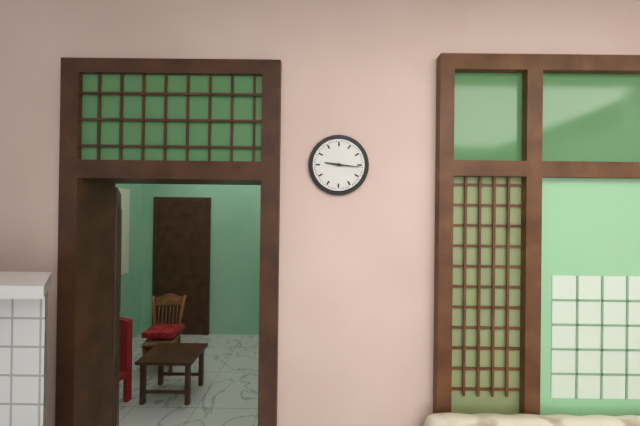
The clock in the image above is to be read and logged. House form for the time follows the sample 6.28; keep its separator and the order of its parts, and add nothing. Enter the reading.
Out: 9.16
